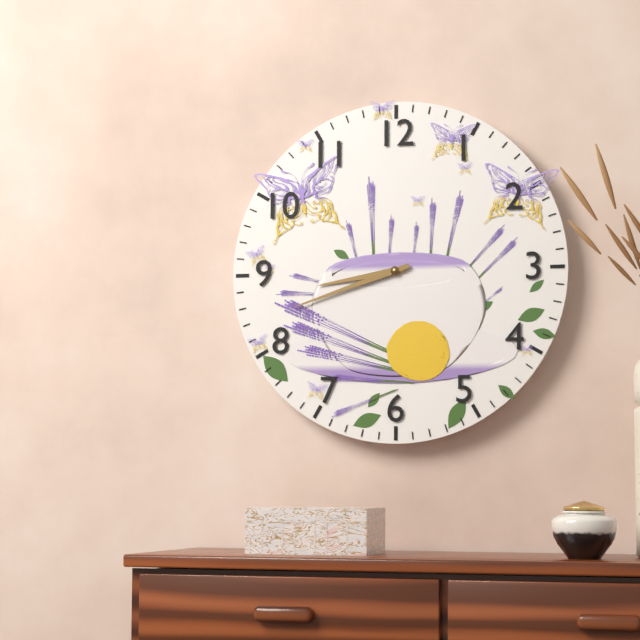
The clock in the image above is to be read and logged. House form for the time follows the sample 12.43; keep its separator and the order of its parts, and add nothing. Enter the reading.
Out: 8.42
